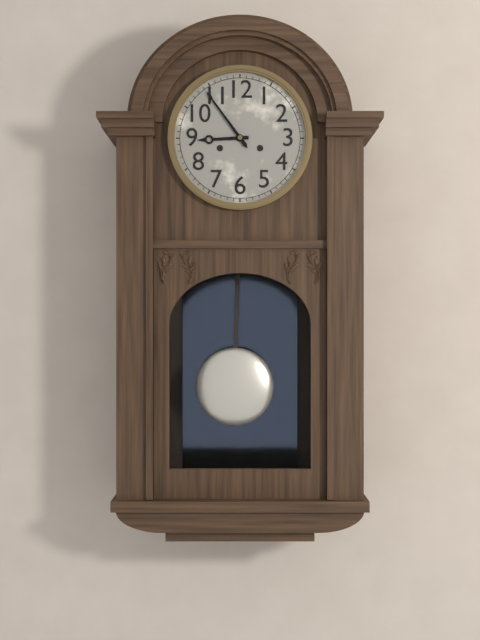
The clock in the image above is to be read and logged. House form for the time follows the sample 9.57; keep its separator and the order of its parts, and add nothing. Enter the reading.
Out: 8.54
